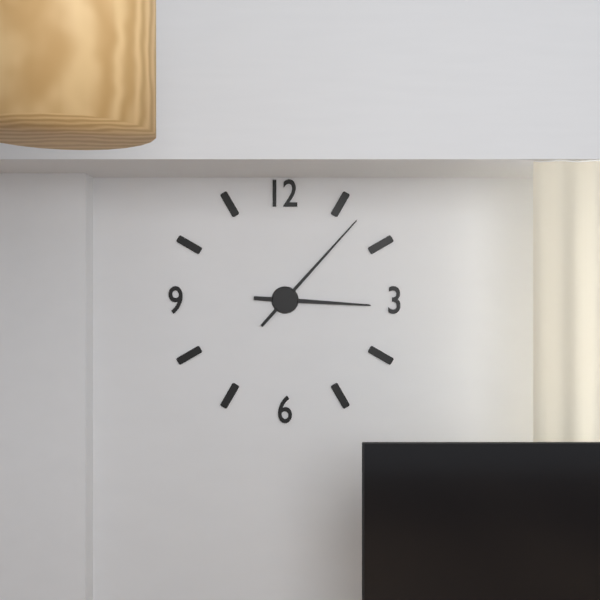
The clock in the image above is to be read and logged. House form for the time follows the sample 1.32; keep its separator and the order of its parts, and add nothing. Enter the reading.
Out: 3.07
